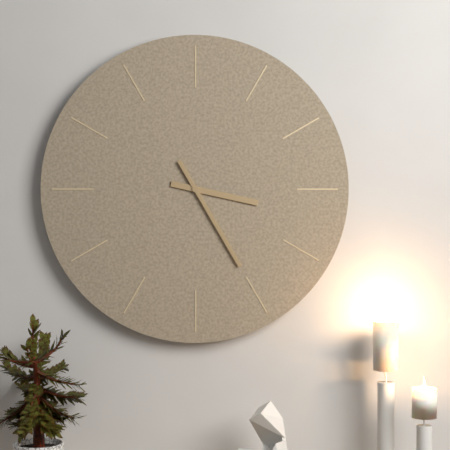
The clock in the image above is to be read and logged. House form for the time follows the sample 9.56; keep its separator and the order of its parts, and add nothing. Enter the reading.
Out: 3.25
